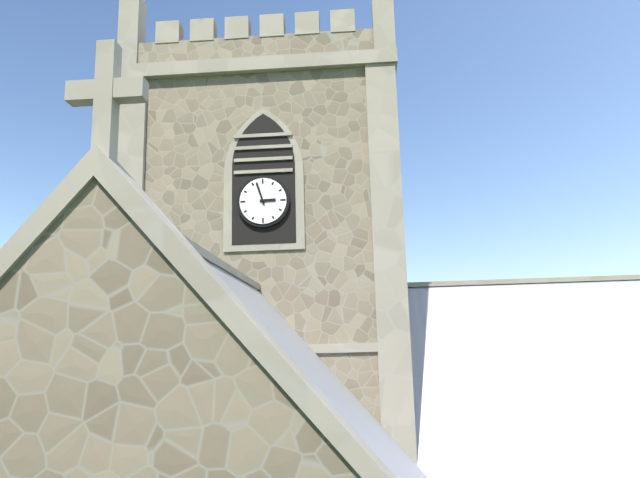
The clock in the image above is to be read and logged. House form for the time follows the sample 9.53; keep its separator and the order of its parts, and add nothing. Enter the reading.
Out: 2.57
